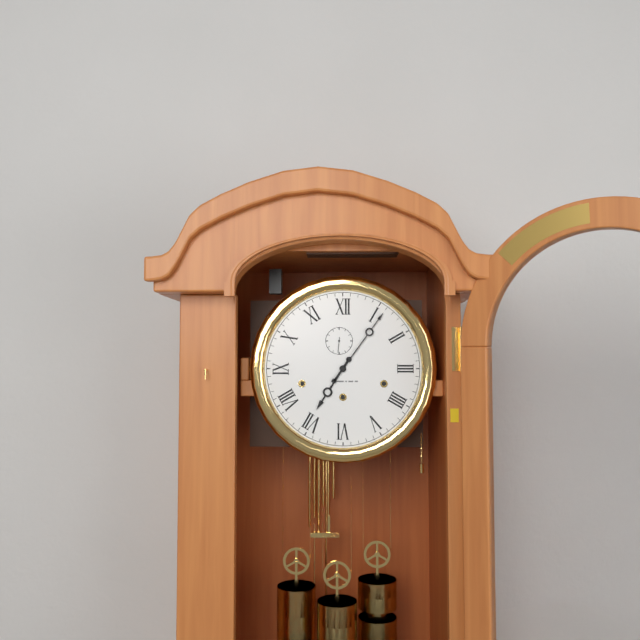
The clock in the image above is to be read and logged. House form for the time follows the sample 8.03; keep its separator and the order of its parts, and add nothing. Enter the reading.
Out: 7.06
